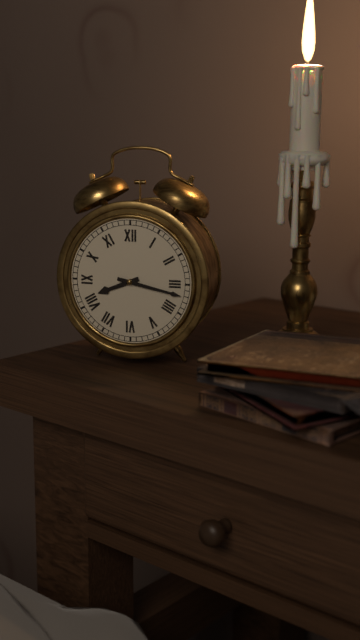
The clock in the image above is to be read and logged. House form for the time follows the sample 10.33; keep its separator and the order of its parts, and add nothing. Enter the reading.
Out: 8.17
